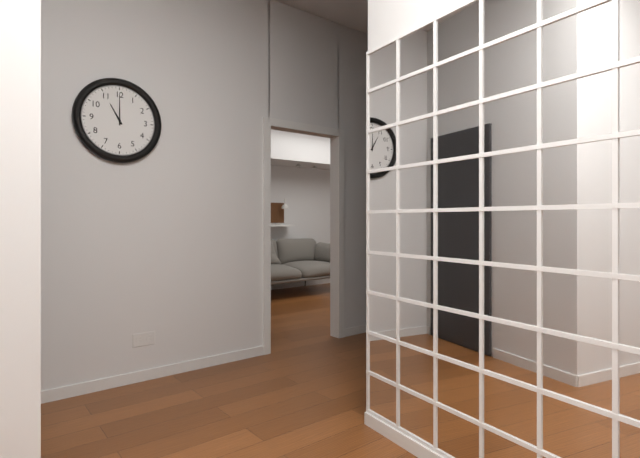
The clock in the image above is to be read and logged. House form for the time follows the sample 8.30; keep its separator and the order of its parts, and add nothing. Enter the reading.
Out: 11.00
